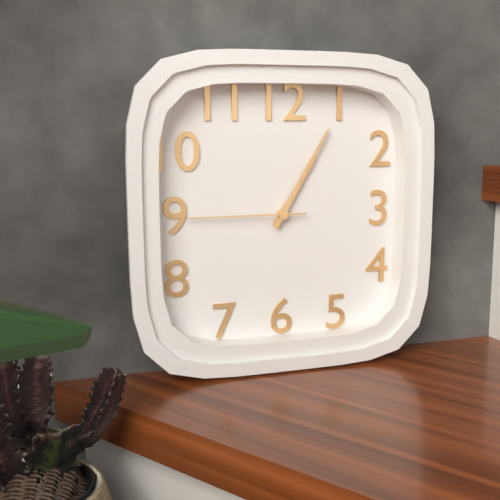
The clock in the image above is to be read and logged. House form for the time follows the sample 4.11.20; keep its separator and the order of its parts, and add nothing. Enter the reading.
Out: 1.05.45
